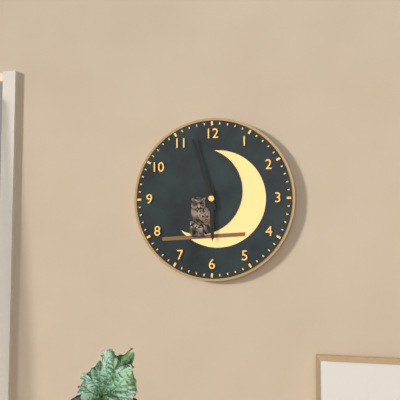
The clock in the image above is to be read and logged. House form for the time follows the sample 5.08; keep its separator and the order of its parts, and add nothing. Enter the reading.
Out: 5.57
